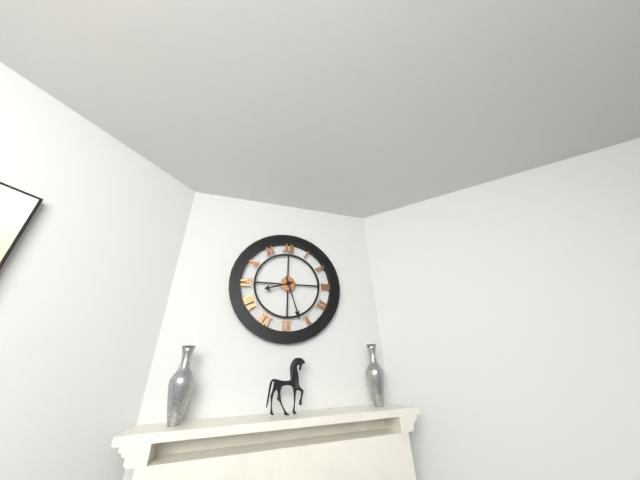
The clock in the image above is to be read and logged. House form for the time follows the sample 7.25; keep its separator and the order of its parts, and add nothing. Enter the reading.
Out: 8.27
